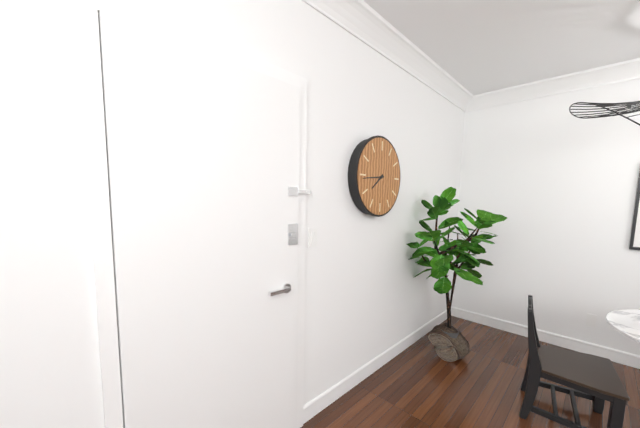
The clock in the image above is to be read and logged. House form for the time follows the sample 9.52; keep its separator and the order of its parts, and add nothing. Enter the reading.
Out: 7.44
